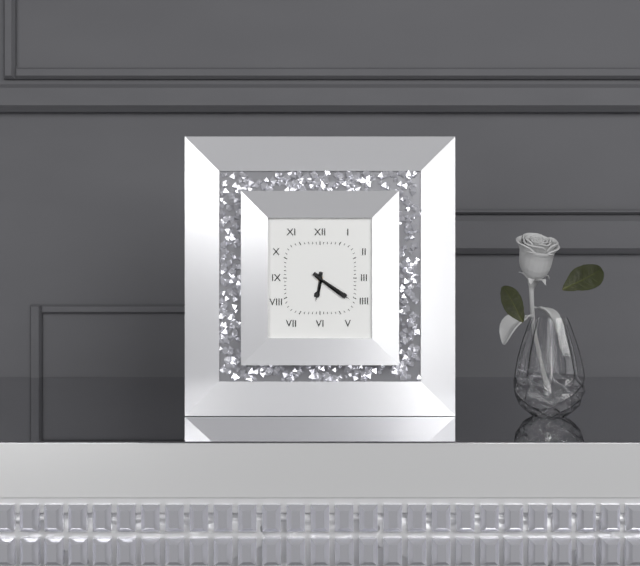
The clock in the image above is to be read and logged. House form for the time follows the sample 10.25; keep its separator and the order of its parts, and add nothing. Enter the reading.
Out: 6.21
